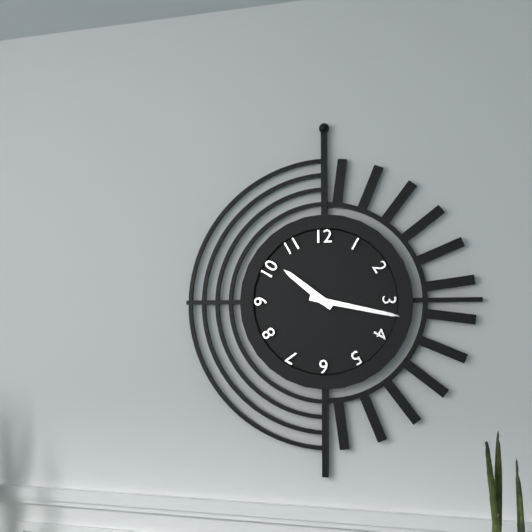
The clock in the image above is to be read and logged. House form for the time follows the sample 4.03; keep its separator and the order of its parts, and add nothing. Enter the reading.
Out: 10.17
